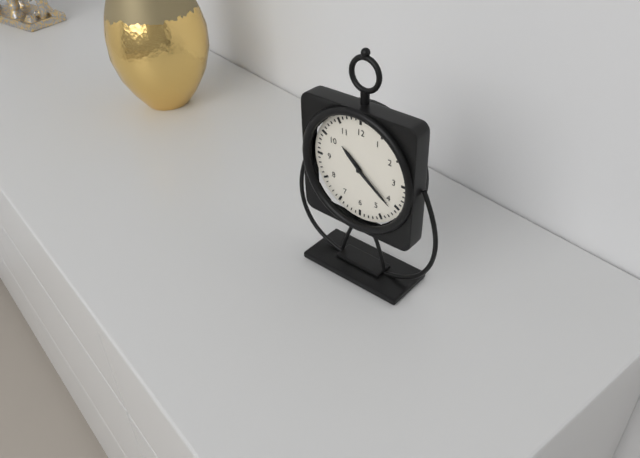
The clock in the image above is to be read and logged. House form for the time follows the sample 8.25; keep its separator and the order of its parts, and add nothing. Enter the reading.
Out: 10.21
